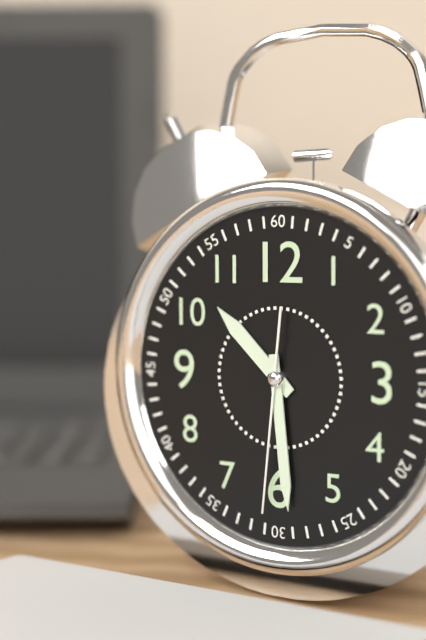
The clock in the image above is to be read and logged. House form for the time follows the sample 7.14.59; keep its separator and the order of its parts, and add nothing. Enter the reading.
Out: 10.29.31
